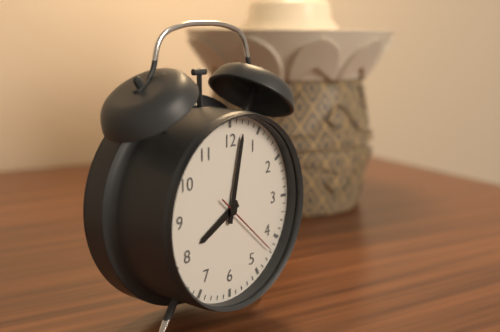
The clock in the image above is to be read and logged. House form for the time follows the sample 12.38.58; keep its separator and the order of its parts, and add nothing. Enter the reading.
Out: 8.02.22
